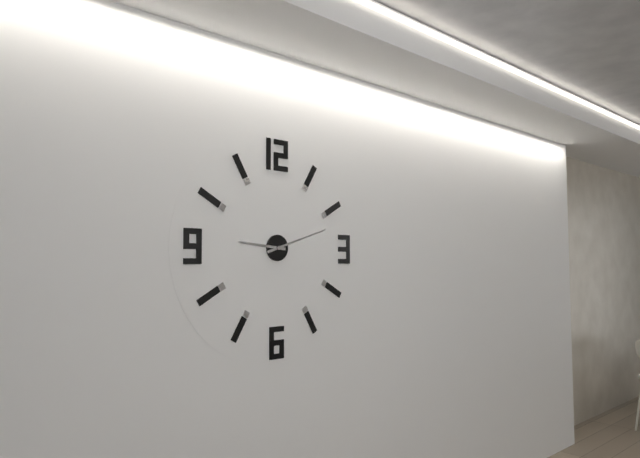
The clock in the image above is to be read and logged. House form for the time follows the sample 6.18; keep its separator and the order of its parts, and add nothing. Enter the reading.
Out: 9.12
